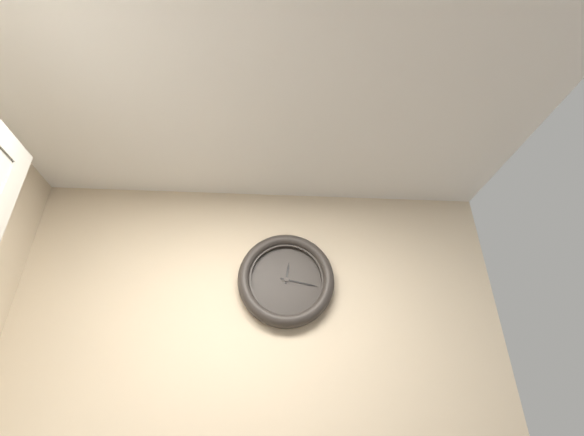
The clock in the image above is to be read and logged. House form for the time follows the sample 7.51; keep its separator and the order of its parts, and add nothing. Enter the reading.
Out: 12.17
